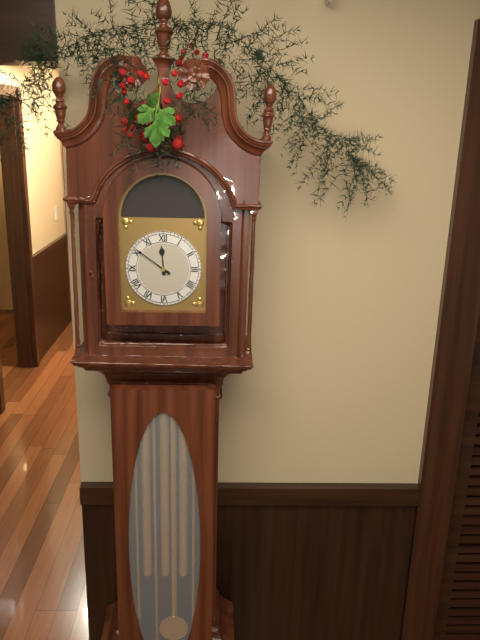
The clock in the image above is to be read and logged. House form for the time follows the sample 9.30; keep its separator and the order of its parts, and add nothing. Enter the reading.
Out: 11.51
